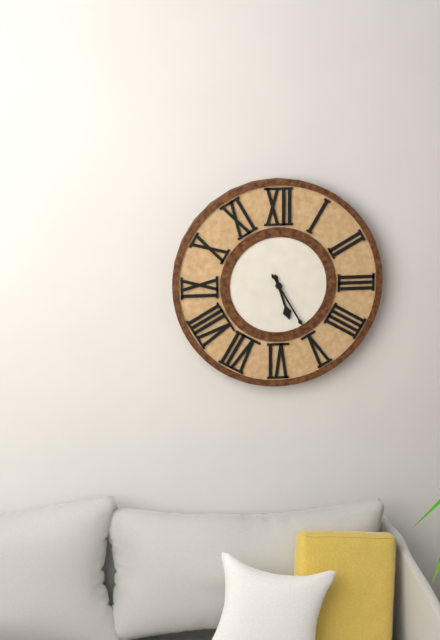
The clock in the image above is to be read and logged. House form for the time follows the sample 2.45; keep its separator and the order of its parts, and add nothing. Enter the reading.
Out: 5.25
